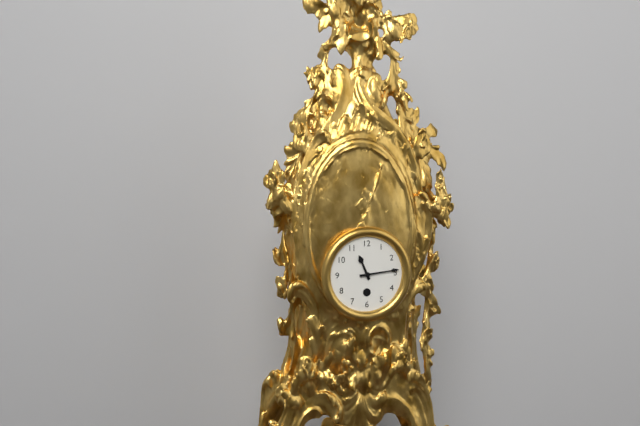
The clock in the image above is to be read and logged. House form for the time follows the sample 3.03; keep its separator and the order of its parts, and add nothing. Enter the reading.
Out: 11.14
